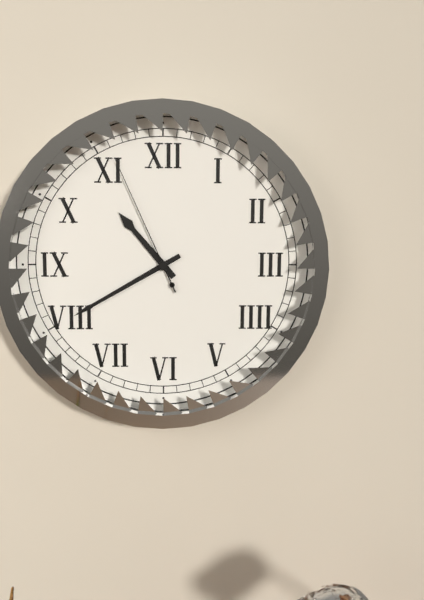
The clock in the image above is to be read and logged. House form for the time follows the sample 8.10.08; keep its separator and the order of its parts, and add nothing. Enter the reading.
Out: 10.40.56
